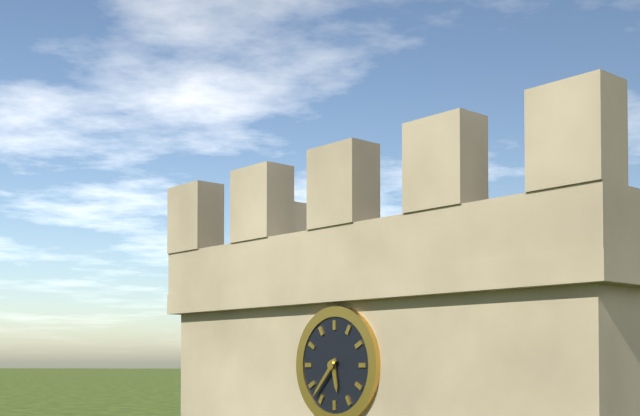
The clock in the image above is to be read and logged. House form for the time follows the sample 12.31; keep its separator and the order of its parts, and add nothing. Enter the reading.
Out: 5.37
